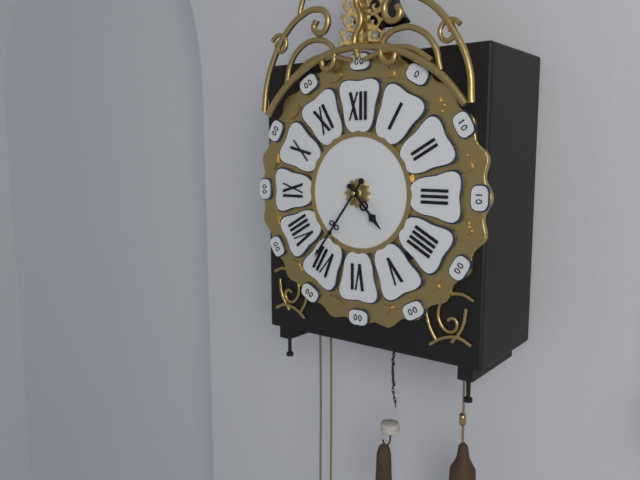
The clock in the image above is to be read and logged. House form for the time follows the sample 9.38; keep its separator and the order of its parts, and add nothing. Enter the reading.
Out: 4.36
